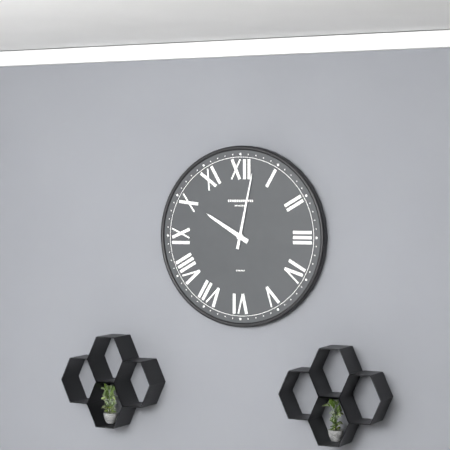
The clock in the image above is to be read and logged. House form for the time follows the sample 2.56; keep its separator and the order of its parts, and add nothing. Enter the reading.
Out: 10.02
